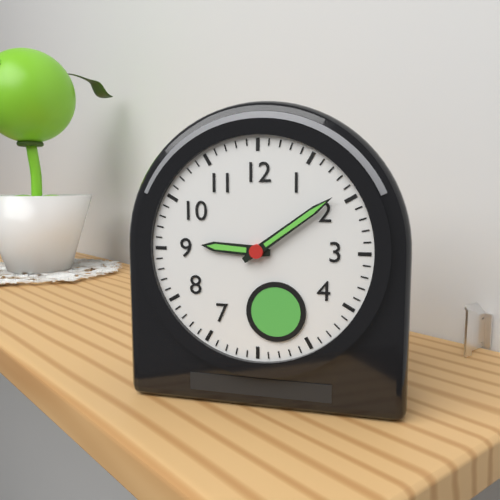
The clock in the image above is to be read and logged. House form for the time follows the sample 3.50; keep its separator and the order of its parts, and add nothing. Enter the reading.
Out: 9.09
